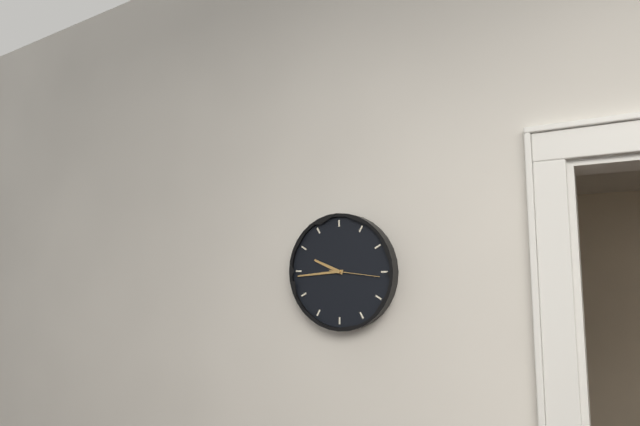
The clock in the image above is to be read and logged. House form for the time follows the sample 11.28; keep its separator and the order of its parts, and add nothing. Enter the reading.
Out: 9.44
